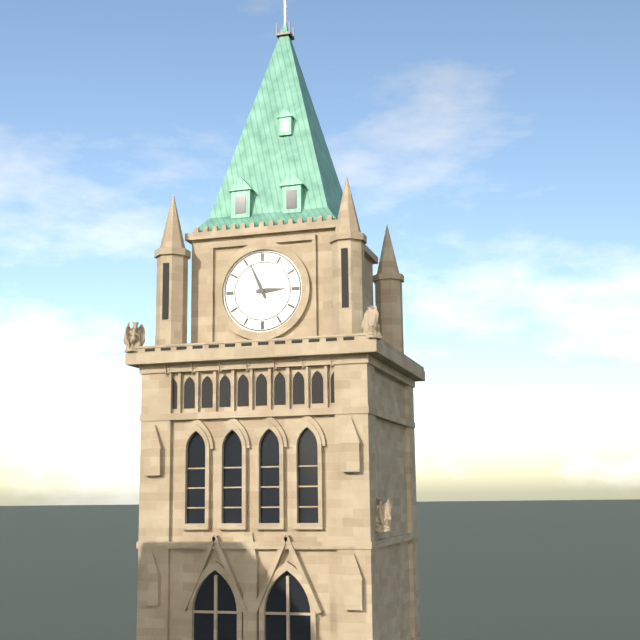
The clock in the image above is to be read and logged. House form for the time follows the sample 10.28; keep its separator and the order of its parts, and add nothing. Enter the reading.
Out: 2.56
